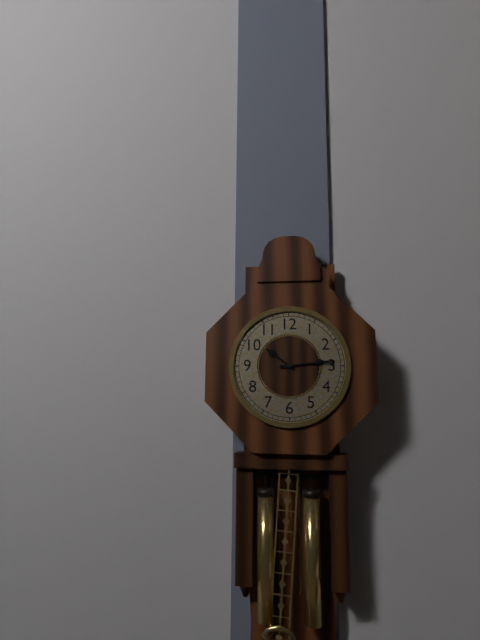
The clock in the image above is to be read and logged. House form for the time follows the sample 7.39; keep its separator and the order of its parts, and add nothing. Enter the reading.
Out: 10.14
